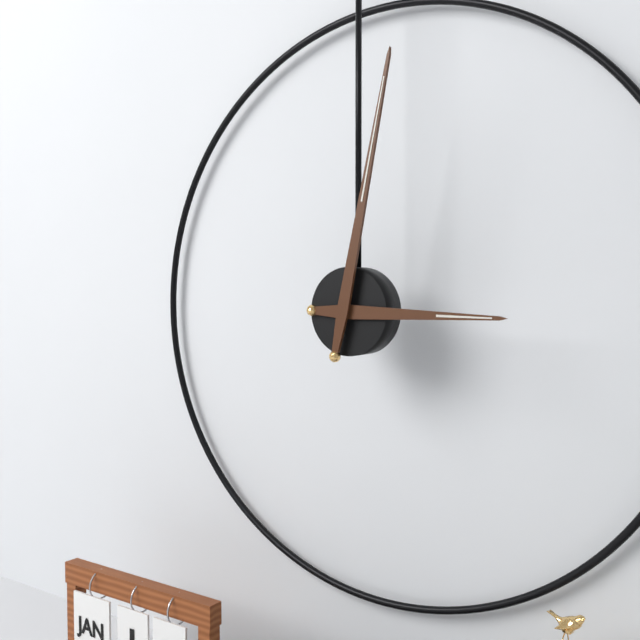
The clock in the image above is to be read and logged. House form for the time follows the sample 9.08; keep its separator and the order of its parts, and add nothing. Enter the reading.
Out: 3.02
